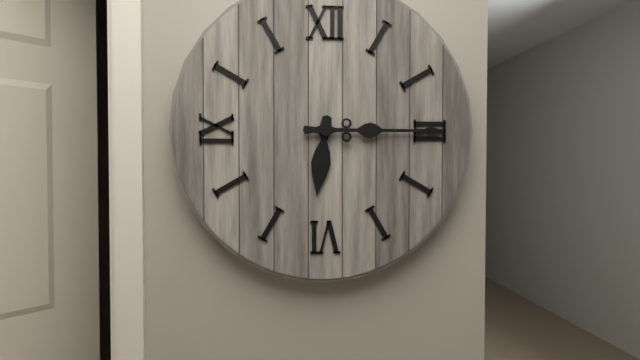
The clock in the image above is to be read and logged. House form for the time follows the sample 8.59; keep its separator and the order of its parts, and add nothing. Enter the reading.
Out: 6.15
